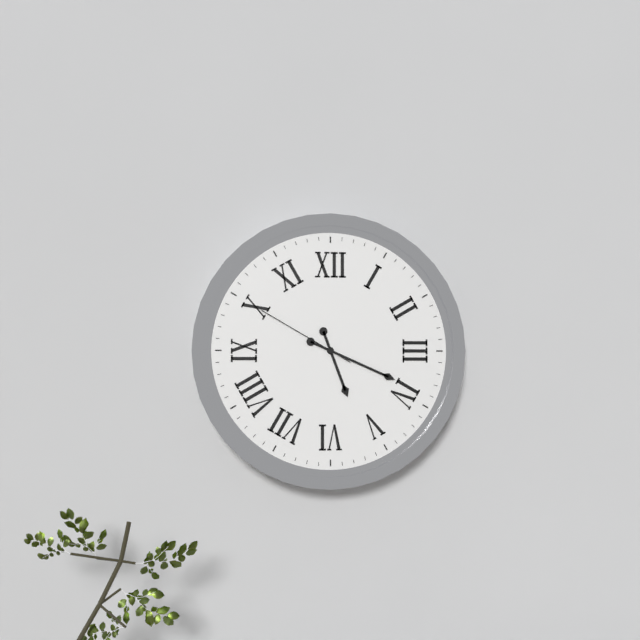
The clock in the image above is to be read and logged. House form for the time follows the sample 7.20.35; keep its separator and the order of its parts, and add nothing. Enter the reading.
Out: 5.19.50
